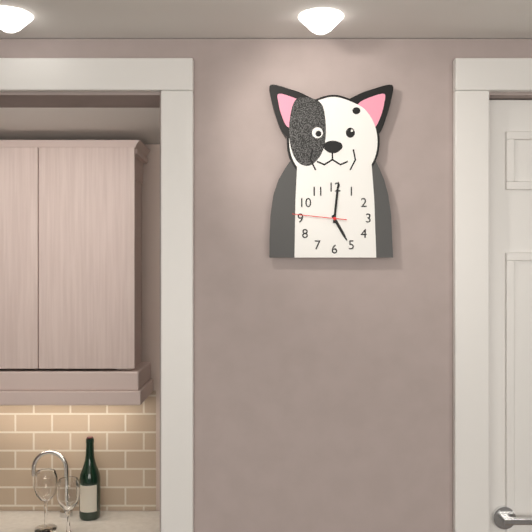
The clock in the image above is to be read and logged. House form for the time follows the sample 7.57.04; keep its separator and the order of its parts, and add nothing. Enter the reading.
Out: 5.01.46
